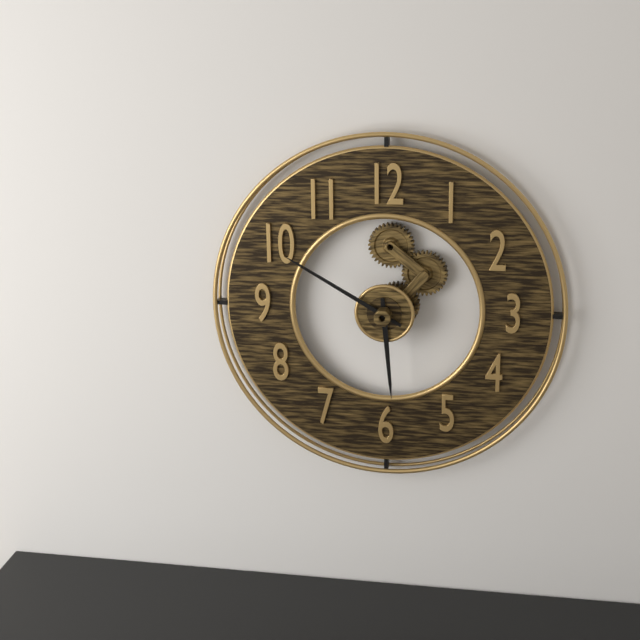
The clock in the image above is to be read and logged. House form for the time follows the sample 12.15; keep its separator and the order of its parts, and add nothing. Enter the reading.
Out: 5.50
